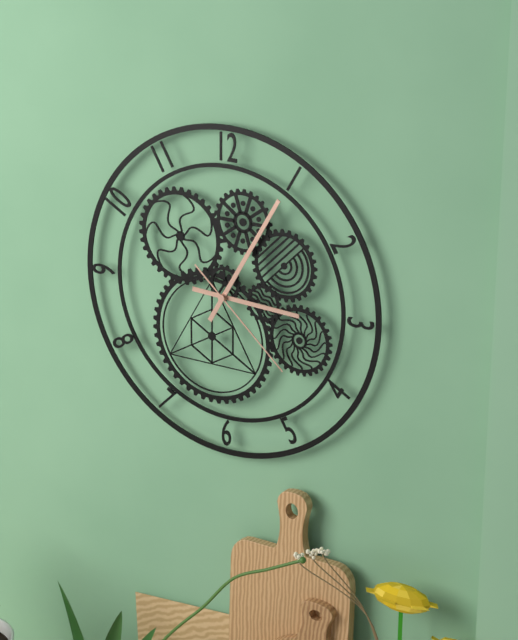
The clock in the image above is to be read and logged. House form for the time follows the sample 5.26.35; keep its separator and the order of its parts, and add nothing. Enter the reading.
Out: 3.05.22
